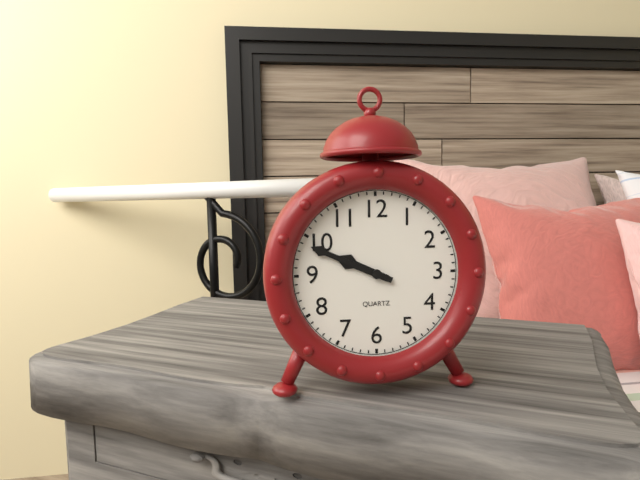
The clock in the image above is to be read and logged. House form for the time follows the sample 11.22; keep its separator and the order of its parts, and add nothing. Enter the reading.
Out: 9.49
